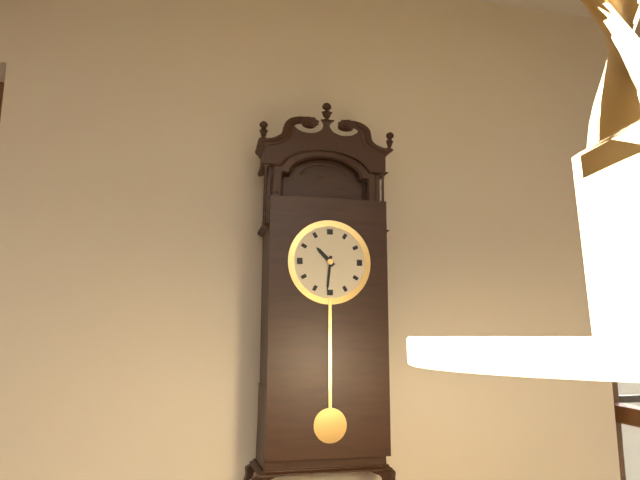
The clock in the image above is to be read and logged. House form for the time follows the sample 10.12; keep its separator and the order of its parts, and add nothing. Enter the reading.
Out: 10.31
